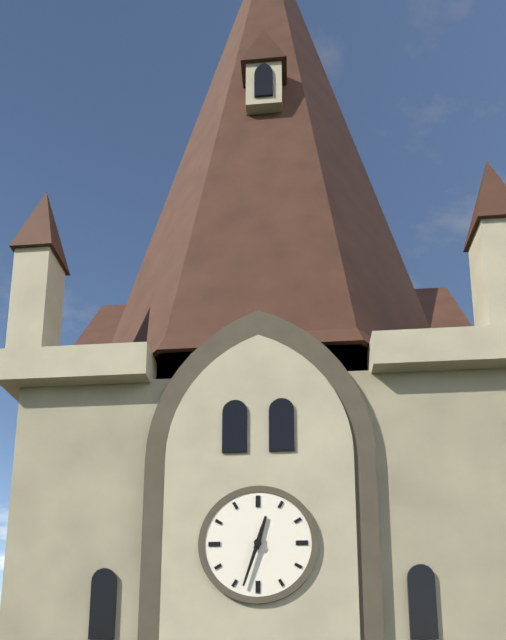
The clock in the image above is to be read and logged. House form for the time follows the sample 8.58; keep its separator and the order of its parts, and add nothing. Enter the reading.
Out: 12.33
